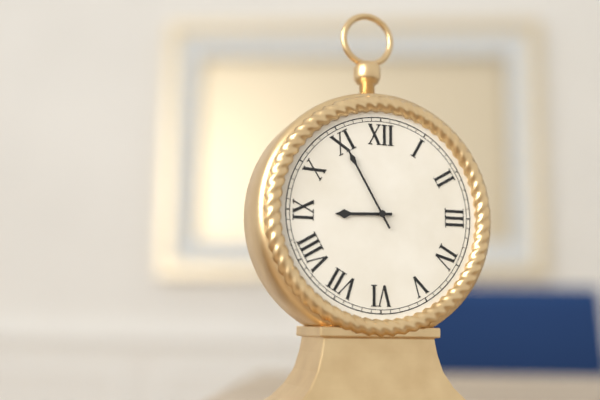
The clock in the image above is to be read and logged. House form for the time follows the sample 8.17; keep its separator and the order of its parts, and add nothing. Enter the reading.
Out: 8.55
